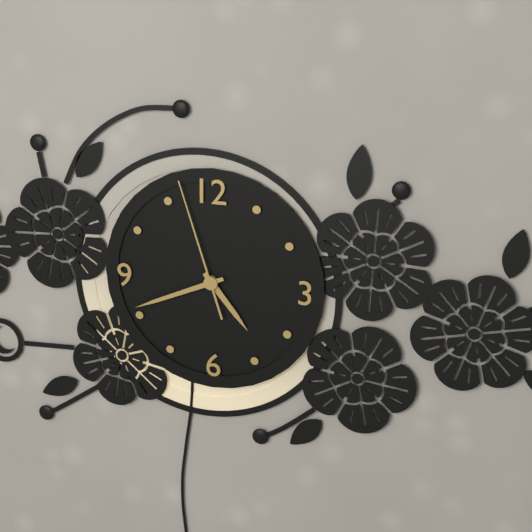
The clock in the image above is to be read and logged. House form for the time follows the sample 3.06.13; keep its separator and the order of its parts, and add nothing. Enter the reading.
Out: 4.41.57
